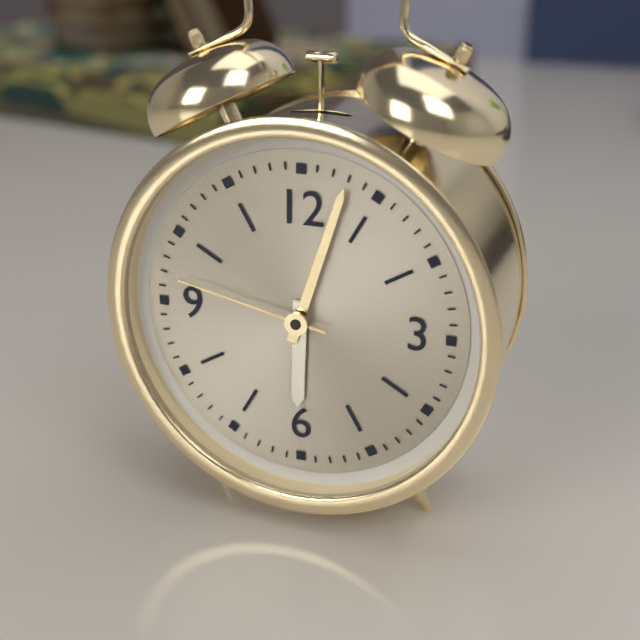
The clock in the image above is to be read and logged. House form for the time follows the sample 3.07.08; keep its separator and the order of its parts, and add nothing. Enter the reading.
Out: 6.03.47
